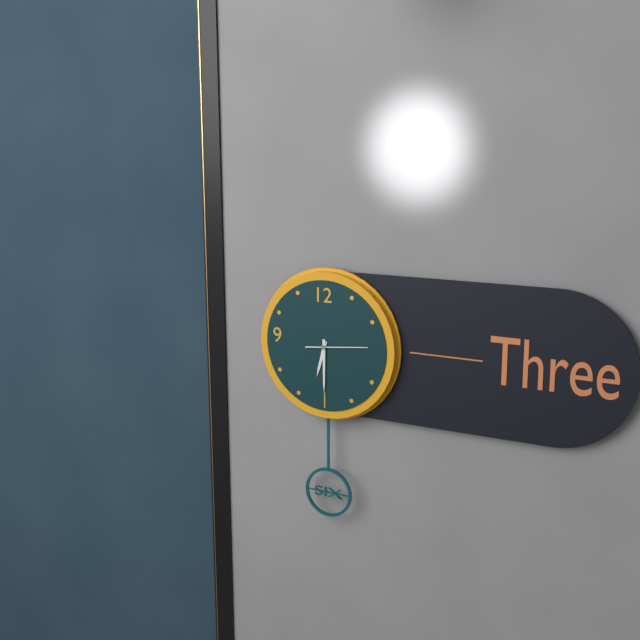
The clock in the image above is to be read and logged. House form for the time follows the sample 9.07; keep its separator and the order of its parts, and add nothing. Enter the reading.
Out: 6.30
